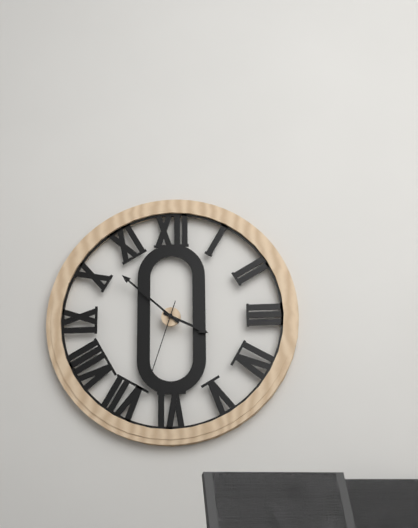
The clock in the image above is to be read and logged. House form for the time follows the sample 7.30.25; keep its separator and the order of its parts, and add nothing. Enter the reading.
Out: 3.52.33
